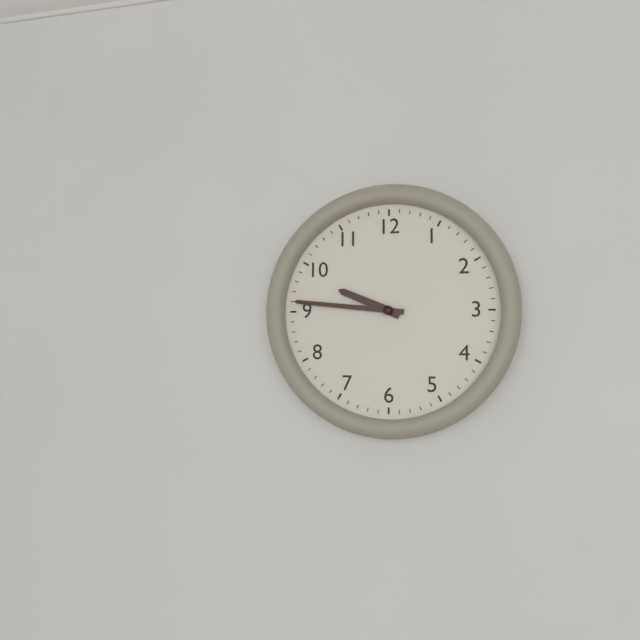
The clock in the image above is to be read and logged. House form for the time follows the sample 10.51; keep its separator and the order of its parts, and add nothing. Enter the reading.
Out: 9.46
